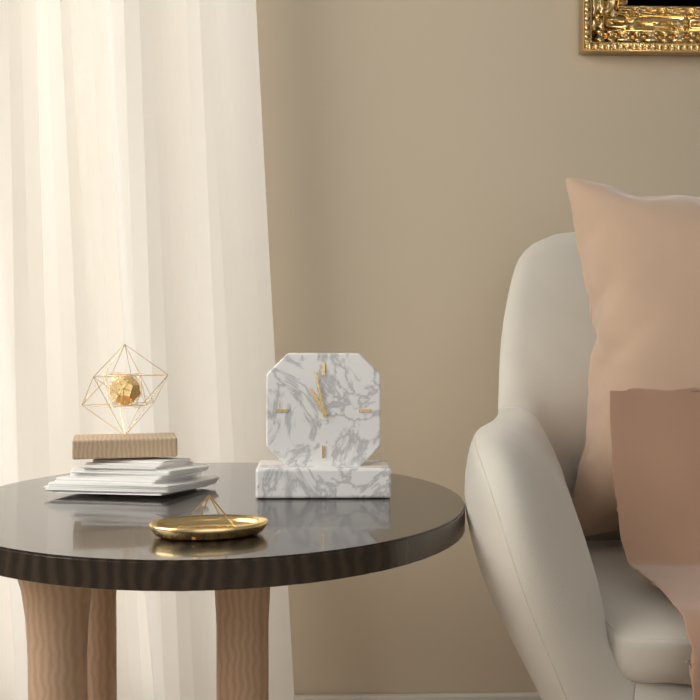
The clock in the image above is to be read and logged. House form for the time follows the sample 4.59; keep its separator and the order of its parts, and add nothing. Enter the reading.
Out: 10.58
